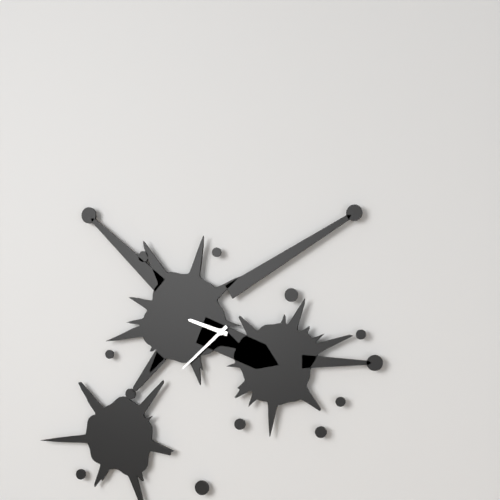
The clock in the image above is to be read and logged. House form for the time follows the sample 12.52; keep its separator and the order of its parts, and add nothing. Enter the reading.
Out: 9.38
